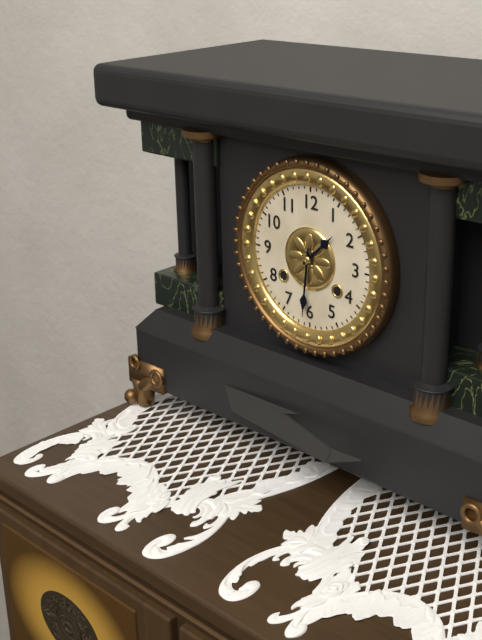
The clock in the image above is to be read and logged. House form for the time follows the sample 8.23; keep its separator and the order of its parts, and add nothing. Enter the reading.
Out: 1.31
